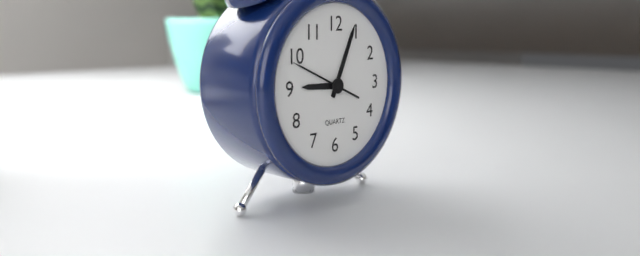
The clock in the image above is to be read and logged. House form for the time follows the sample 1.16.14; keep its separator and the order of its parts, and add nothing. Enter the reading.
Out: 9.04.49
